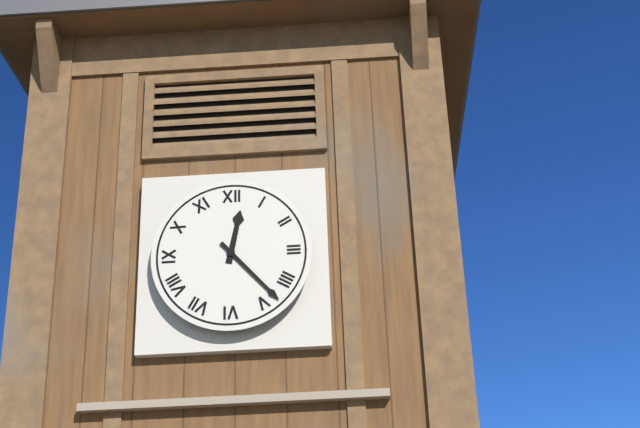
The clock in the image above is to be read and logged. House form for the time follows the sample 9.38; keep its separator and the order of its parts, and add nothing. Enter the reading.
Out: 12.23
